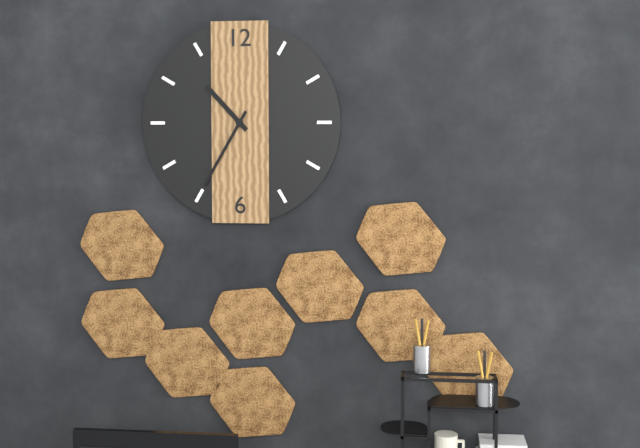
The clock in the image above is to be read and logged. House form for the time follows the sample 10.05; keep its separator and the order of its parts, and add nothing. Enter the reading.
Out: 10.35
